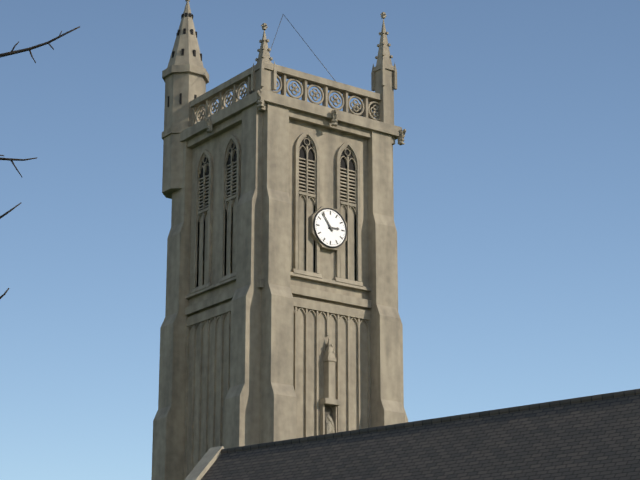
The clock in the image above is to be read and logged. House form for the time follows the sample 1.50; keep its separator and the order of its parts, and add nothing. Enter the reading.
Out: 2.54
